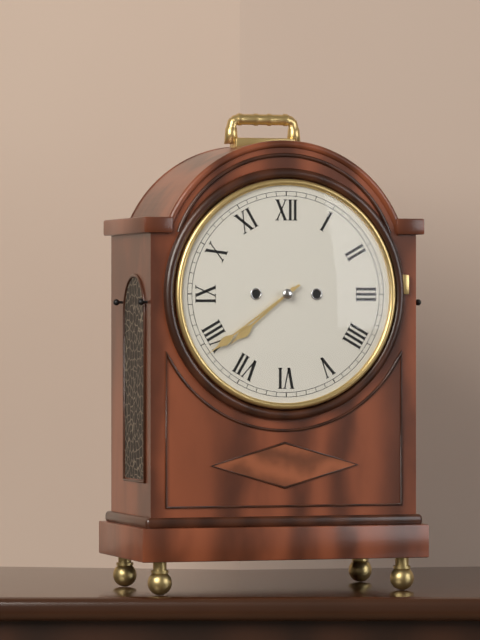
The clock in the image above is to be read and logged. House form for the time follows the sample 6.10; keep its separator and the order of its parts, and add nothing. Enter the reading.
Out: 7.39
